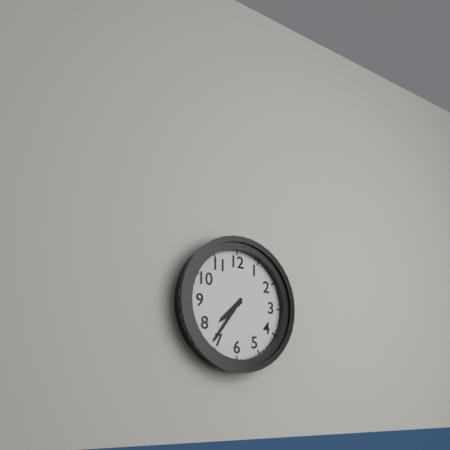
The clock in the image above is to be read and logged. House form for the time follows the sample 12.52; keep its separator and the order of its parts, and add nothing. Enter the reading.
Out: 7.36
